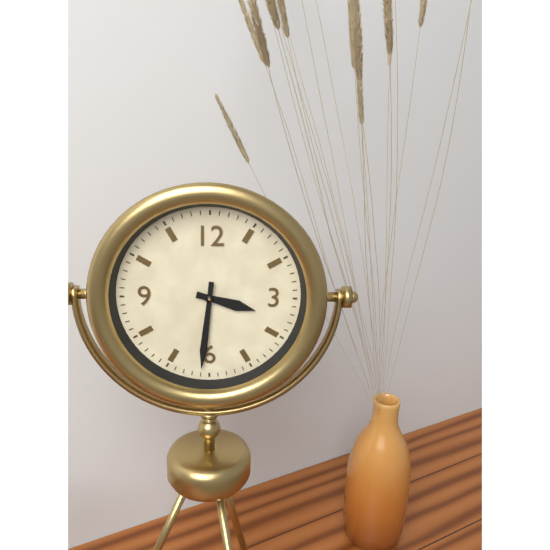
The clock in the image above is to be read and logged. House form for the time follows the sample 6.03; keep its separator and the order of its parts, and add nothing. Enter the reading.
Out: 3.31
